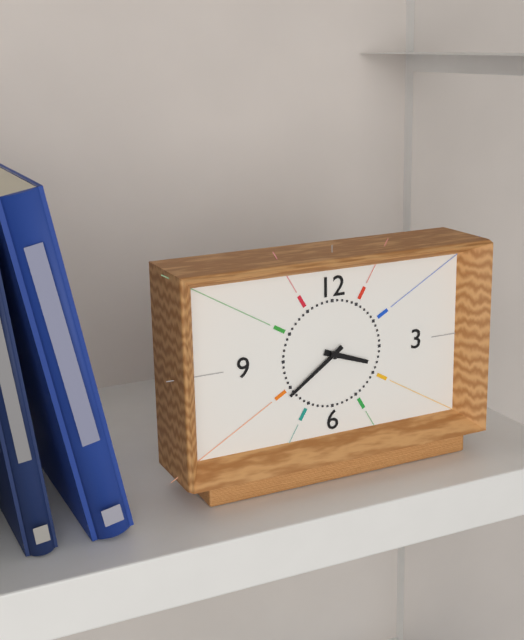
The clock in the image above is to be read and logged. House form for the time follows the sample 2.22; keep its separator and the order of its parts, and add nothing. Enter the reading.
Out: 3.39
